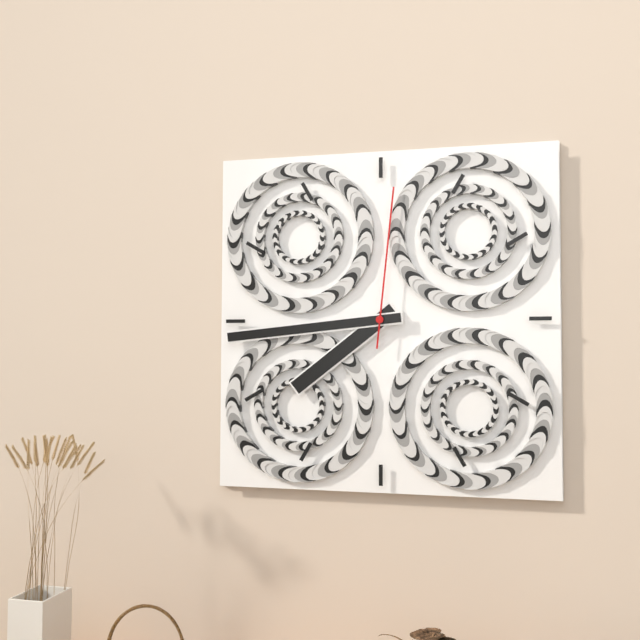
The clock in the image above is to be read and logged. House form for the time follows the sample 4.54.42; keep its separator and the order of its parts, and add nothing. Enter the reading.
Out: 7.44.01
